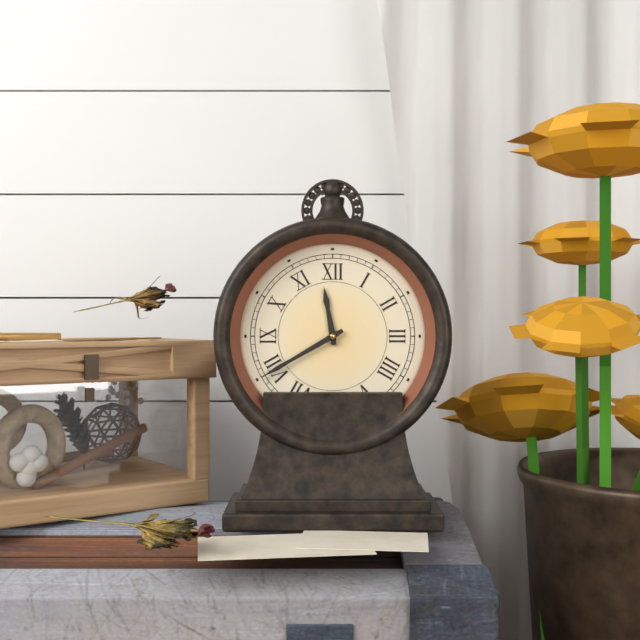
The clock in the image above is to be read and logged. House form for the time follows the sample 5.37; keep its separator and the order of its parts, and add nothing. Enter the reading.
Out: 11.40
